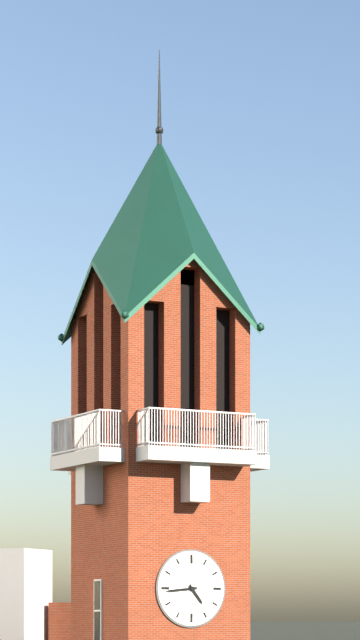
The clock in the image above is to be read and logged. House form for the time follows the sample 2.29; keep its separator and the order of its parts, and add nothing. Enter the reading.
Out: 4.44
